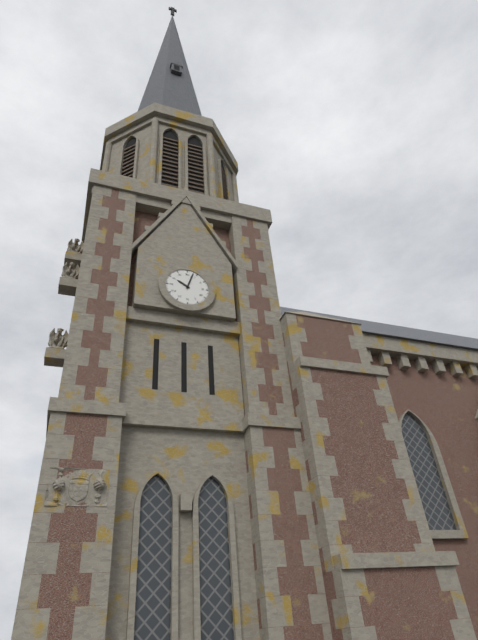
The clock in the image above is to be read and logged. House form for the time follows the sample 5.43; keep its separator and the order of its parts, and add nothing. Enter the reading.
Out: 10.03
